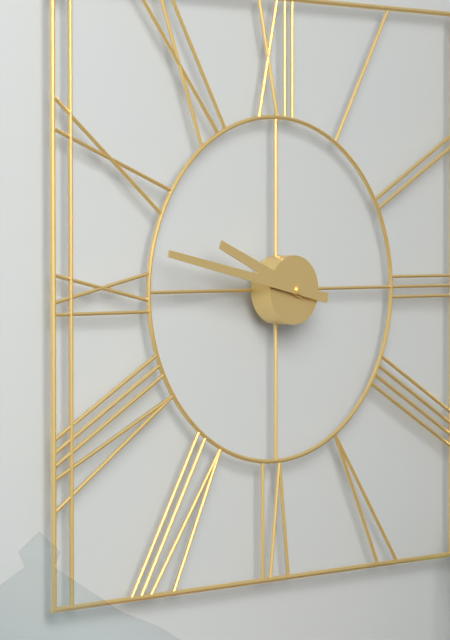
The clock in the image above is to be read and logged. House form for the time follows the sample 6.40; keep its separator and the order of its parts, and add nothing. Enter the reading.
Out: 9.47
